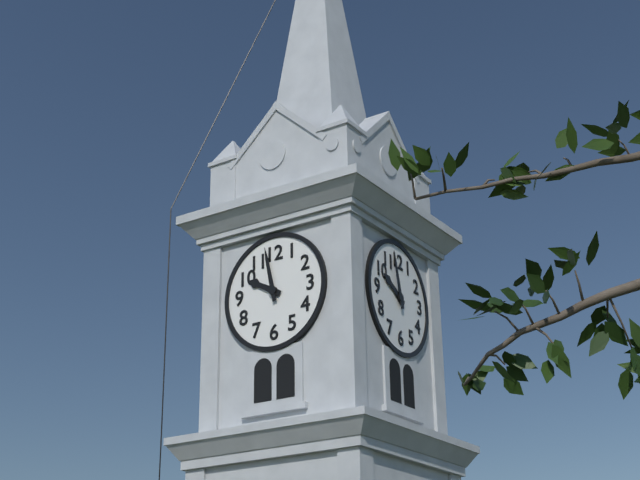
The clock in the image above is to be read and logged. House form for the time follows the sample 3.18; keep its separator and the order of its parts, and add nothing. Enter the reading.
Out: 9.58
